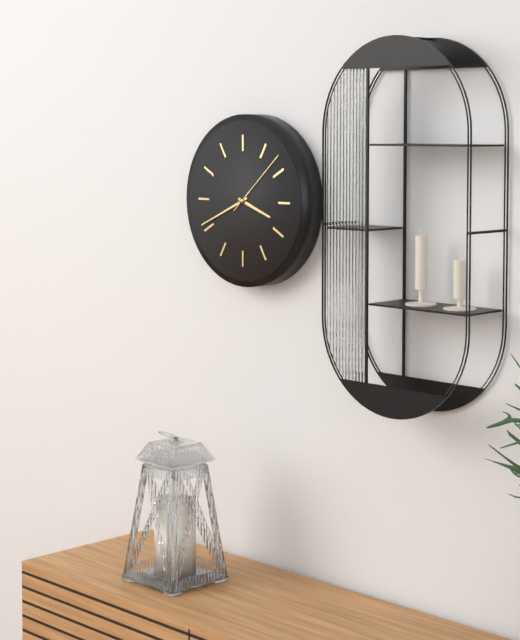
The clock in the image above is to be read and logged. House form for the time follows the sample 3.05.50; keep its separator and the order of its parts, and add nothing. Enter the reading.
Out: 3.41.08
